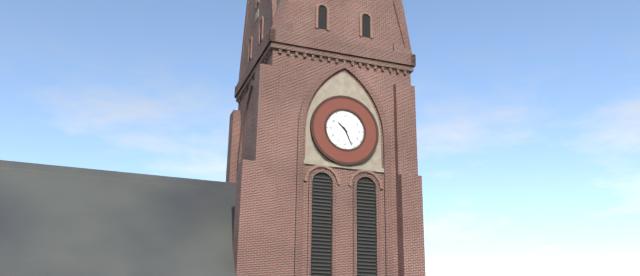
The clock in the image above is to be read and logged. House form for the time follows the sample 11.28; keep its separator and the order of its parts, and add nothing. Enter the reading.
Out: 10.26
